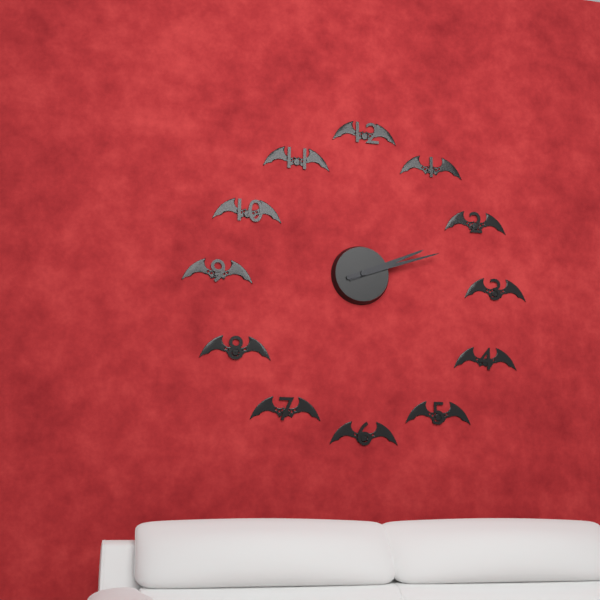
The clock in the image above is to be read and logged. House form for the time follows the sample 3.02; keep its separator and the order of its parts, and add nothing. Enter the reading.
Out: 2.12
